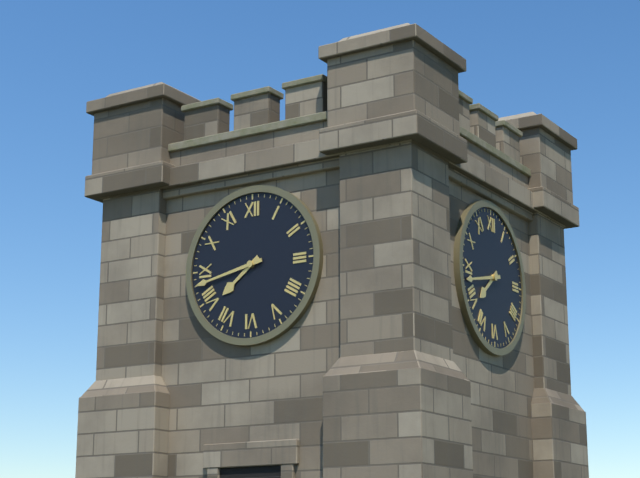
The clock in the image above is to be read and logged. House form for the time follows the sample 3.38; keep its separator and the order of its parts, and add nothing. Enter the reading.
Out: 7.43
